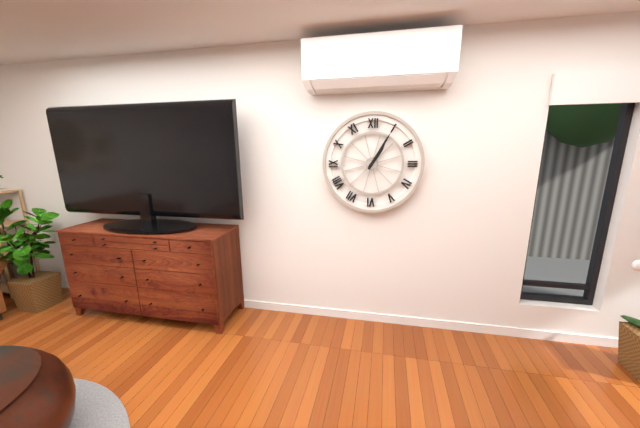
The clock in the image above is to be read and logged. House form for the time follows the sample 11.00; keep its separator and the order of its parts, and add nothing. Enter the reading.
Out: 1.05
